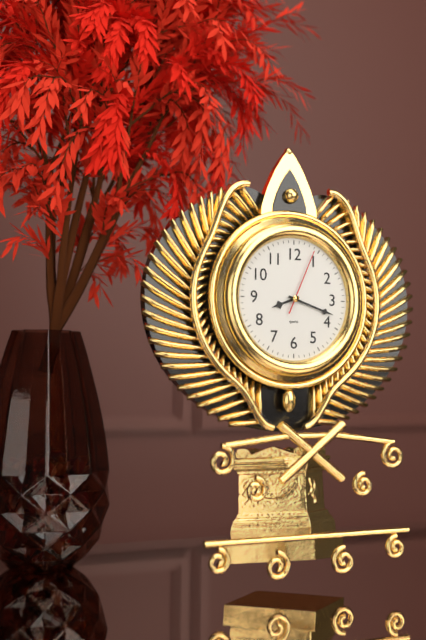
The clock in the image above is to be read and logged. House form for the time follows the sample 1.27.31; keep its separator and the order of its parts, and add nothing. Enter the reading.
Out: 8.18.04
